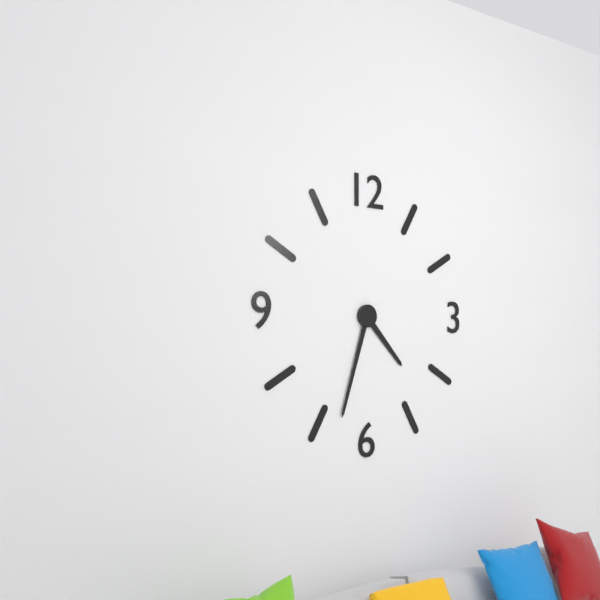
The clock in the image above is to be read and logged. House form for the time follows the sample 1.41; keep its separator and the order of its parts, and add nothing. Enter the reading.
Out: 4.33
